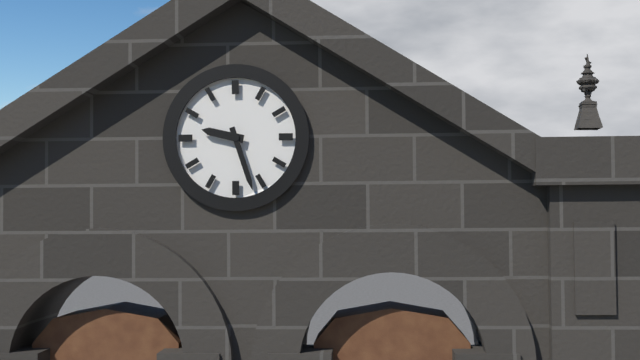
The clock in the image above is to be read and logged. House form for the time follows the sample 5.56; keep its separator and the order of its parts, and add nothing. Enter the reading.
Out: 9.27
